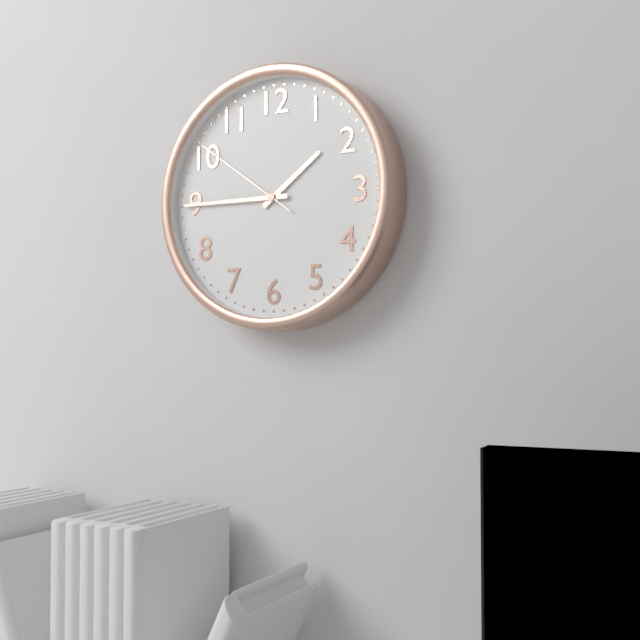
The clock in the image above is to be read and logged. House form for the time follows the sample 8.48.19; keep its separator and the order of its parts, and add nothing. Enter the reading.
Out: 1.45.51
